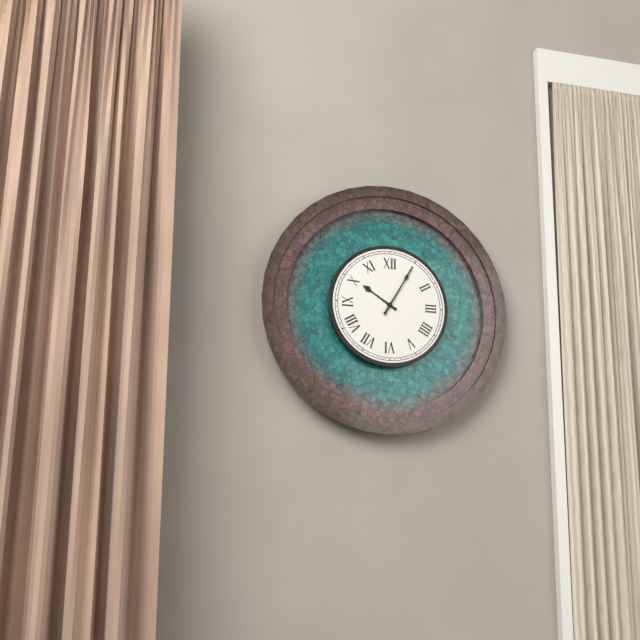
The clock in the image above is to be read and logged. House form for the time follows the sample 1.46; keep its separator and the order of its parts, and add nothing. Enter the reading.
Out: 10.05
